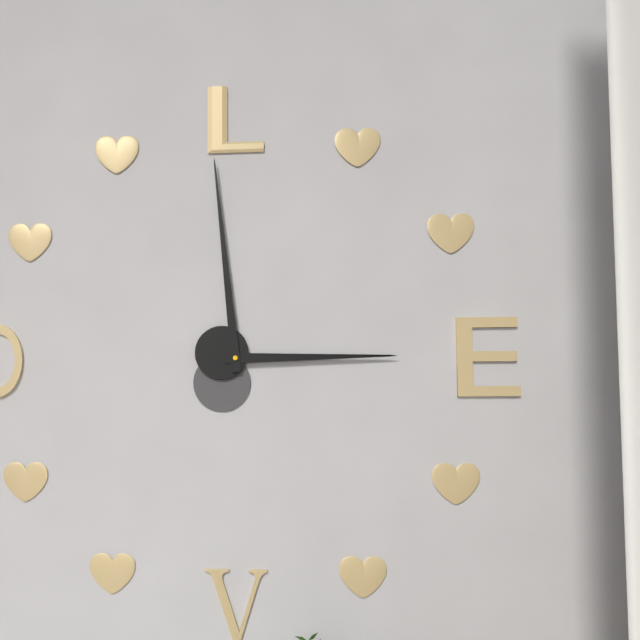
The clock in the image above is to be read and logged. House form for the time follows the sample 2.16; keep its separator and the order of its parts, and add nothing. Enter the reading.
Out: 2.59
